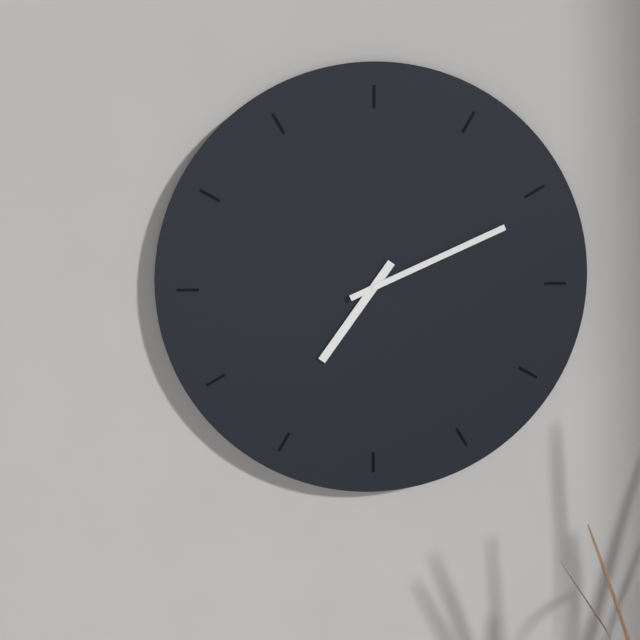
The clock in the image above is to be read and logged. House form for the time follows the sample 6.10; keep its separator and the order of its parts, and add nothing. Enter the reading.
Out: 7.11
